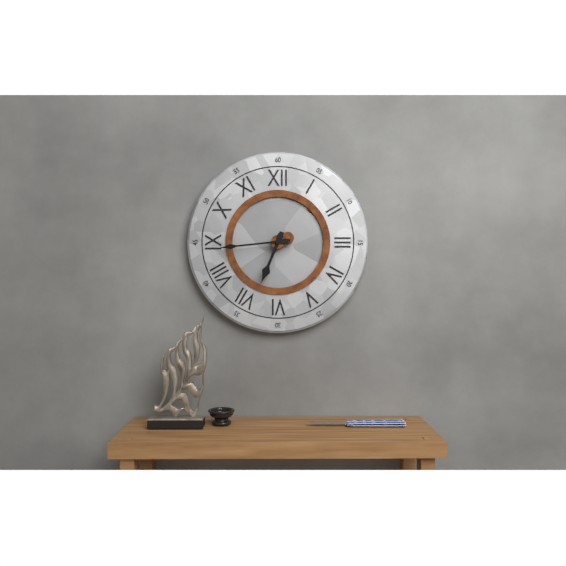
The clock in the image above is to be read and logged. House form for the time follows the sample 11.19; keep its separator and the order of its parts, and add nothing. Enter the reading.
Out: 6.44
